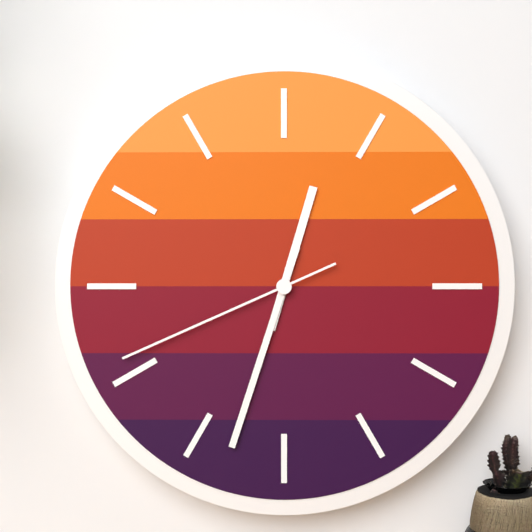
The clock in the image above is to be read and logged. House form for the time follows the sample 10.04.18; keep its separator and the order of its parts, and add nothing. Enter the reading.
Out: 12.33.41
